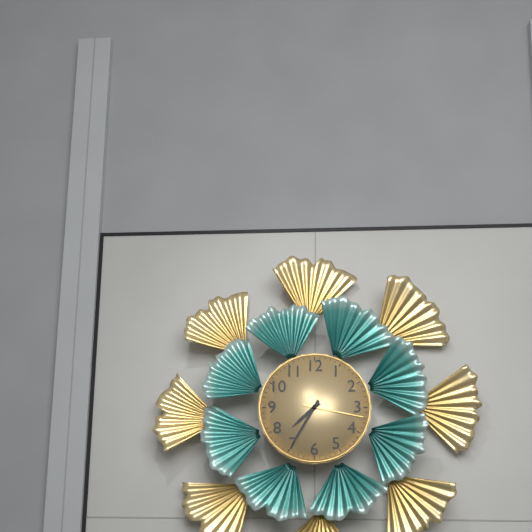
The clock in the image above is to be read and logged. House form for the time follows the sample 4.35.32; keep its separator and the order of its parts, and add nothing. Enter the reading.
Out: 7.35.17
